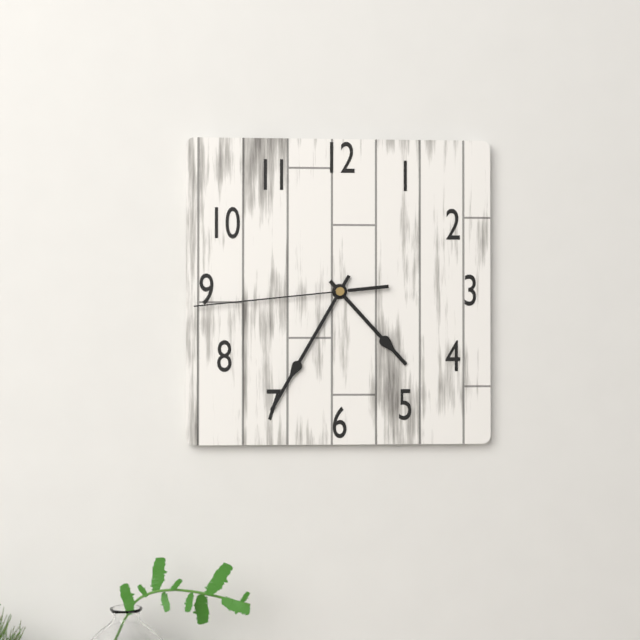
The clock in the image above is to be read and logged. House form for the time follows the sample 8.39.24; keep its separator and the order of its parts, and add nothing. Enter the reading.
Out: 4.35.44
